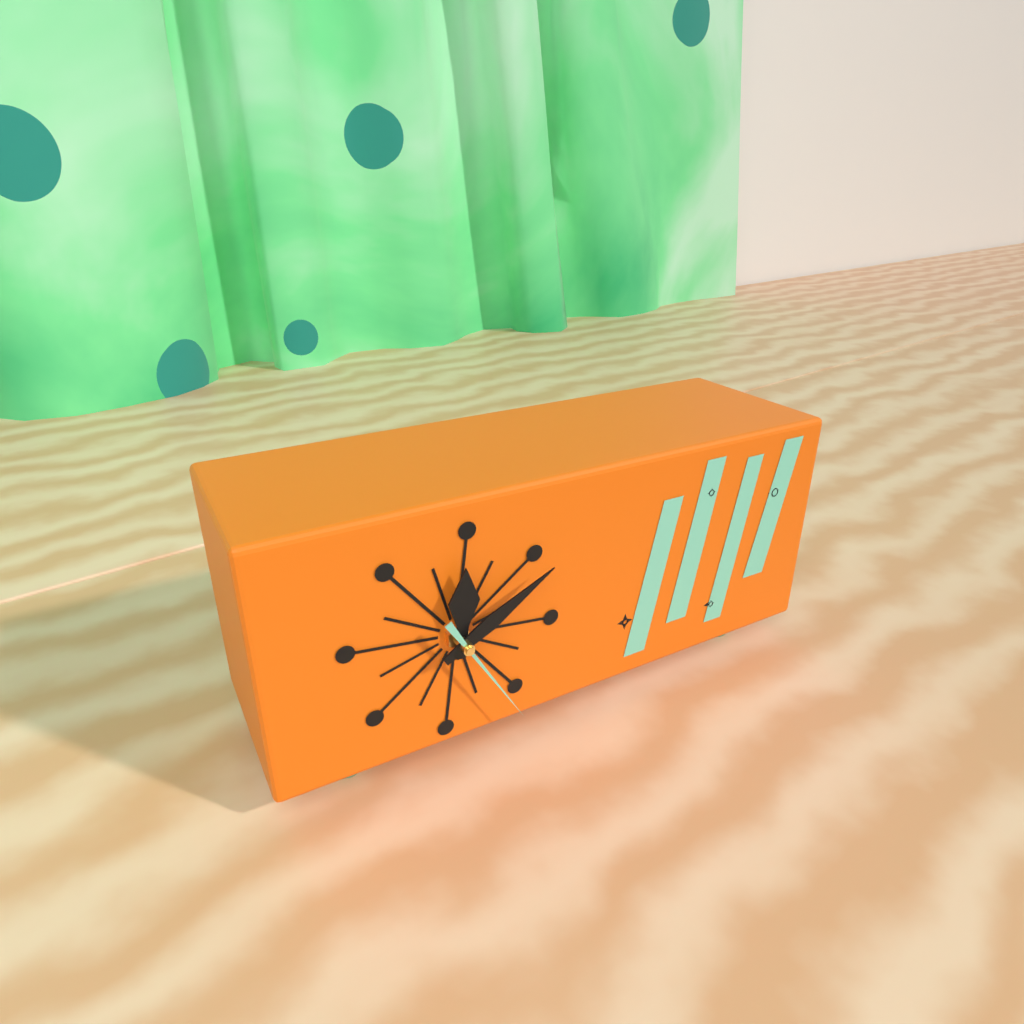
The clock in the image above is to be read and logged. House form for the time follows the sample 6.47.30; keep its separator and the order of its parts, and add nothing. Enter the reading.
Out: 12.10.25
